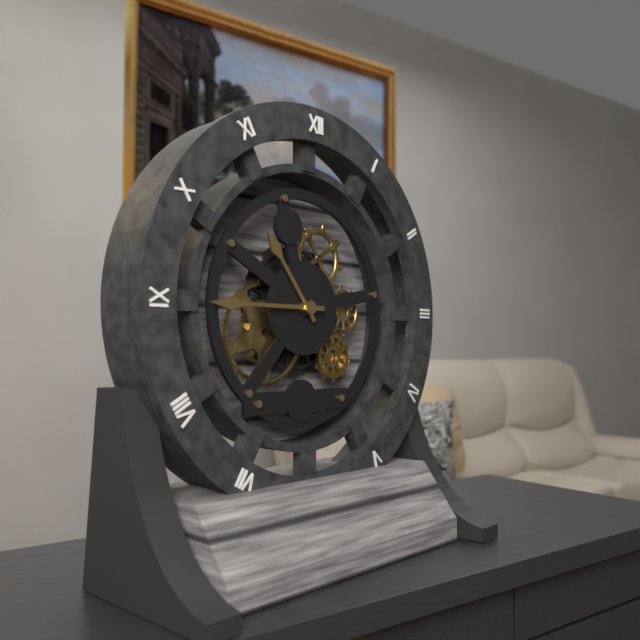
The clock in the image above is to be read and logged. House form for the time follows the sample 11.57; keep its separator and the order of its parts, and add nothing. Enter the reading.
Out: 10.45
